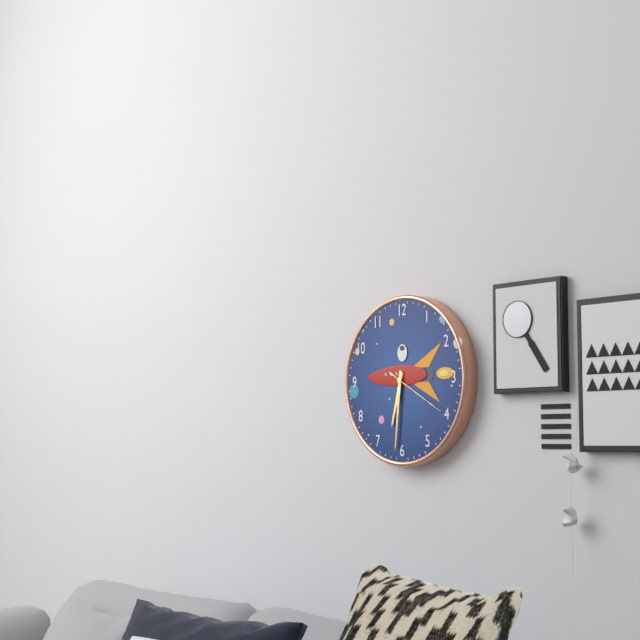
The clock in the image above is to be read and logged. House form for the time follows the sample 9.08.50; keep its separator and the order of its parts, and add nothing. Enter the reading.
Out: 6.31.20
